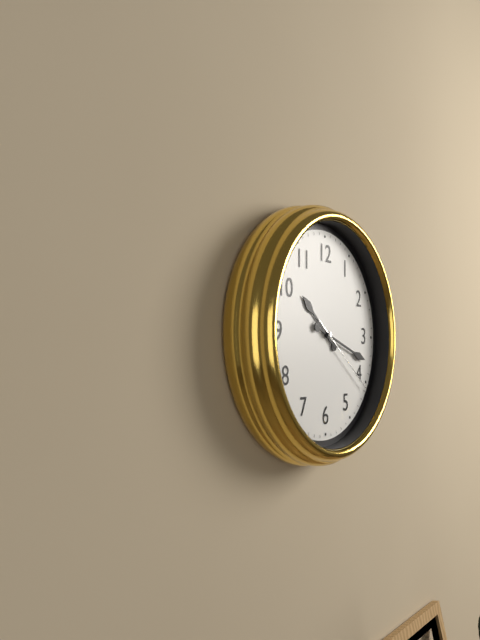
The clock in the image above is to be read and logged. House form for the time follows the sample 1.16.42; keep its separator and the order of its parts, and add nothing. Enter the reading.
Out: 10.18.21
